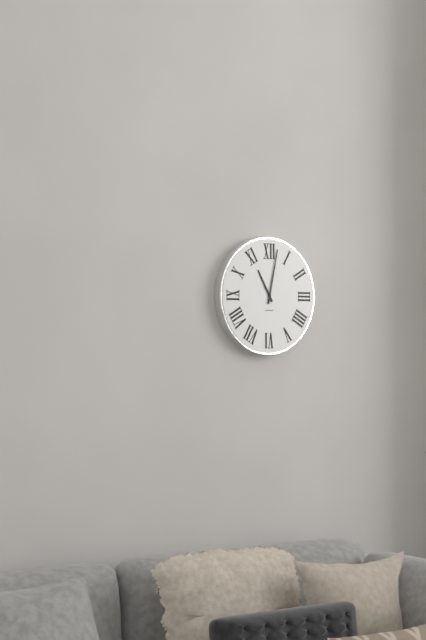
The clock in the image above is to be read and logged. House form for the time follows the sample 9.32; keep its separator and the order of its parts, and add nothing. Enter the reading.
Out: 11.02
